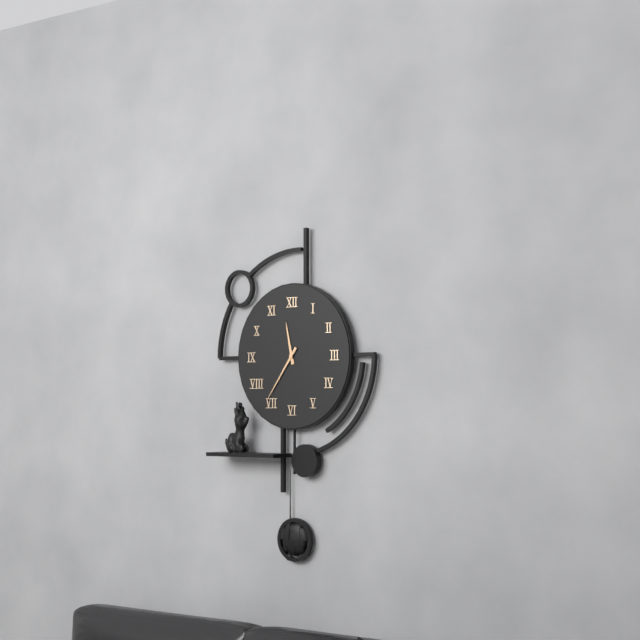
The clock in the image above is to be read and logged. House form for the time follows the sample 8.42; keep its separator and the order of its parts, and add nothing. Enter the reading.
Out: 11.36
